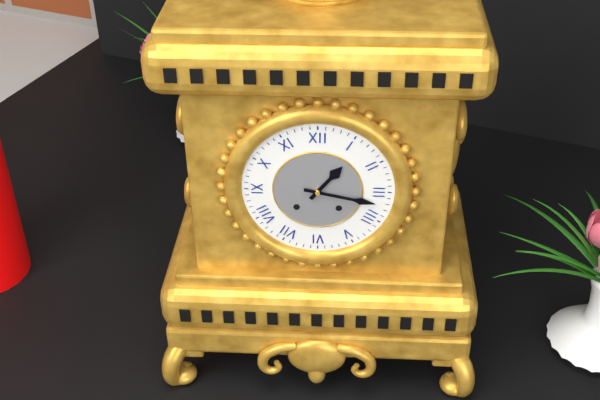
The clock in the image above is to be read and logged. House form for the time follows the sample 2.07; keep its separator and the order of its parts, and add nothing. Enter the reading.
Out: 1.17
